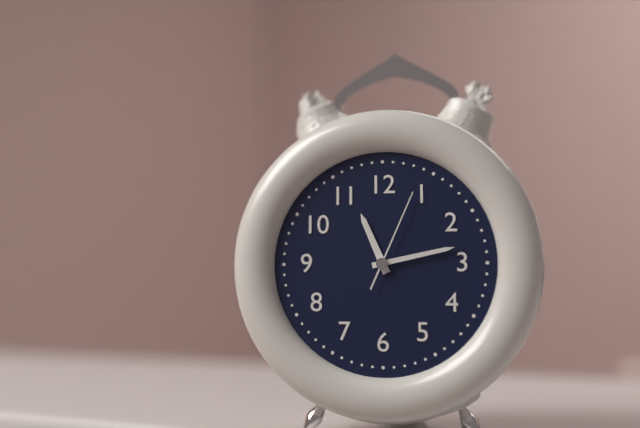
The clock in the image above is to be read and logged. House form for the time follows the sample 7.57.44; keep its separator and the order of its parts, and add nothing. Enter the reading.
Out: 11.13.04
